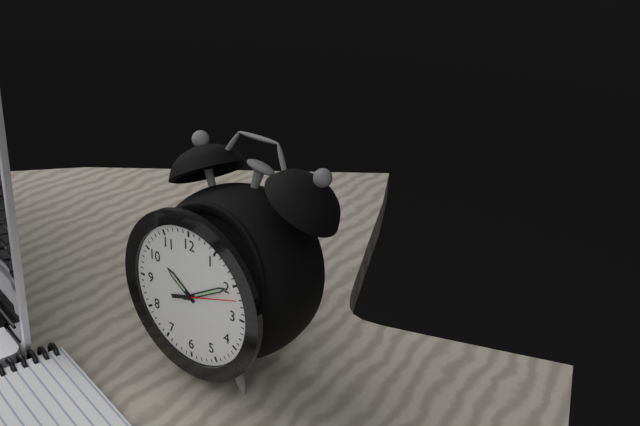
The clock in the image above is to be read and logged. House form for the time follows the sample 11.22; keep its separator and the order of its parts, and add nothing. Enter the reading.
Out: 10.10
